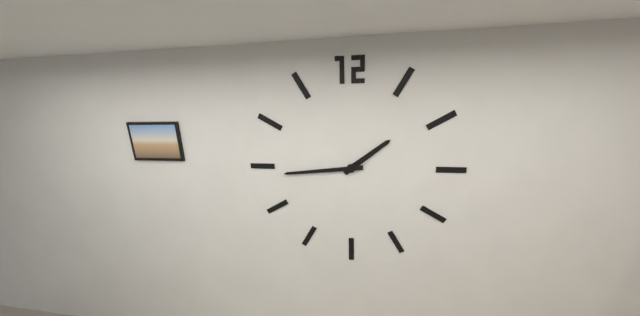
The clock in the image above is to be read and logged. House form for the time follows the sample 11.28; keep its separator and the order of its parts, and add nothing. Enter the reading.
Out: 1.44
